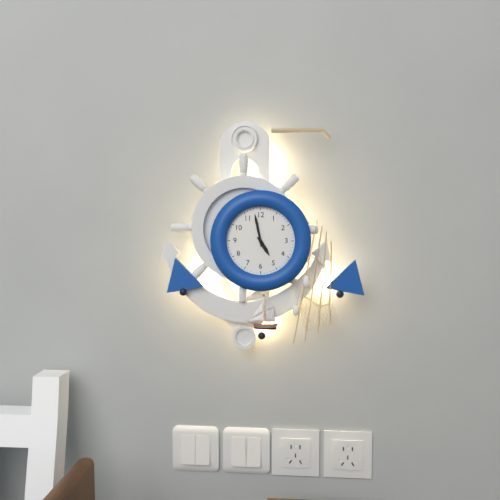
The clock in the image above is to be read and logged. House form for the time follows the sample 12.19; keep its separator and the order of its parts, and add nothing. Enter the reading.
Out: 4.58
